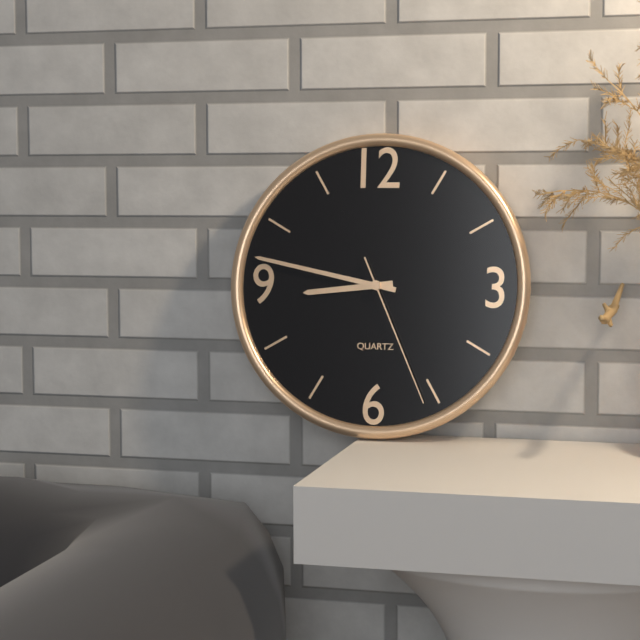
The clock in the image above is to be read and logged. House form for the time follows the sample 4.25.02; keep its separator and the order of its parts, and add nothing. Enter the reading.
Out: 8.47.26
